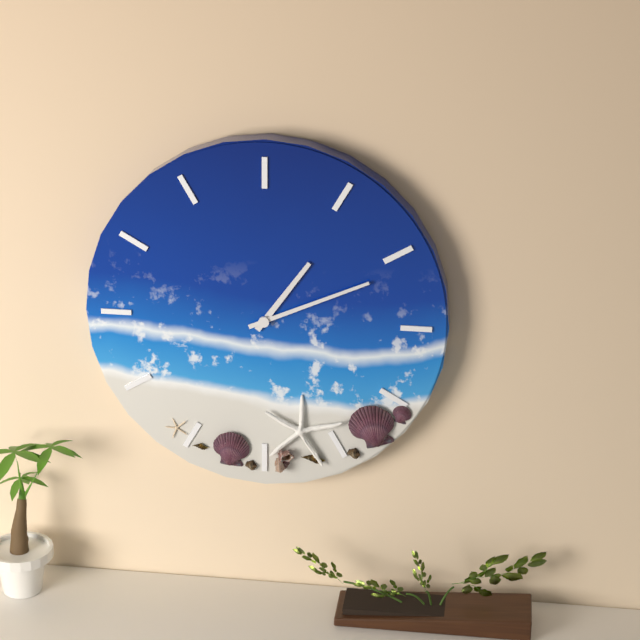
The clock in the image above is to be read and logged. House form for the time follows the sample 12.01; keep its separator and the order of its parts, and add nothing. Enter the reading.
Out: 1.11
